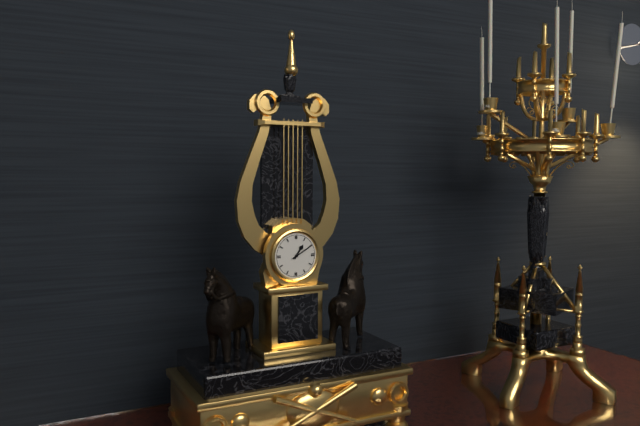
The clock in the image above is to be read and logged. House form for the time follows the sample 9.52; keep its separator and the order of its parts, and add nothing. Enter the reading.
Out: 1.10
